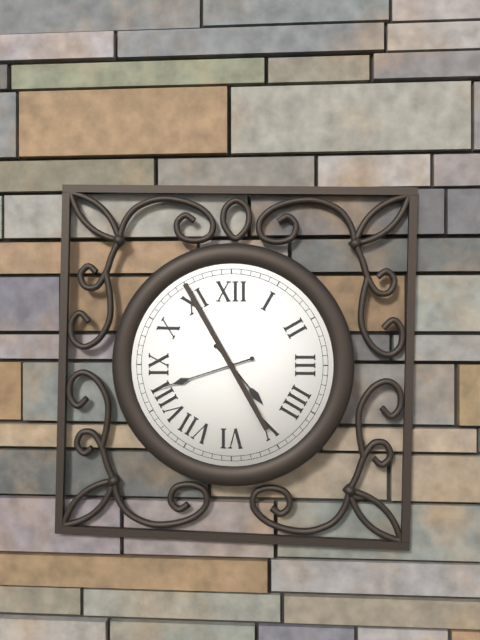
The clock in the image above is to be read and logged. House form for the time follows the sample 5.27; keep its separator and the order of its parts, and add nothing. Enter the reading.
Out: 4.42
